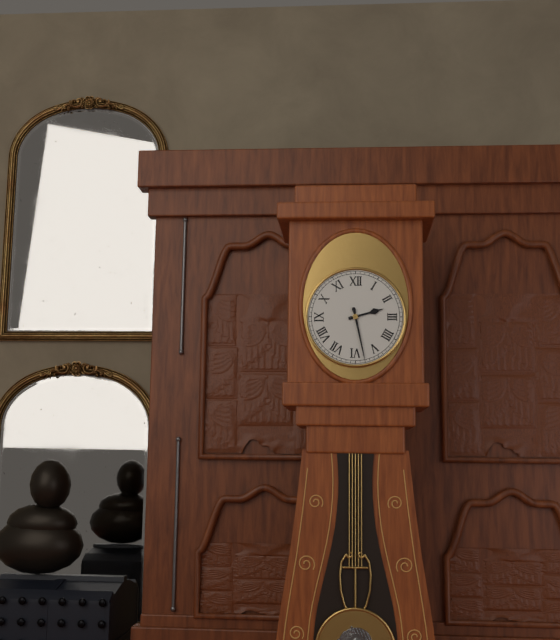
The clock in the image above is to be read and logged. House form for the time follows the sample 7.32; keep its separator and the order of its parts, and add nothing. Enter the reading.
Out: 2.28
